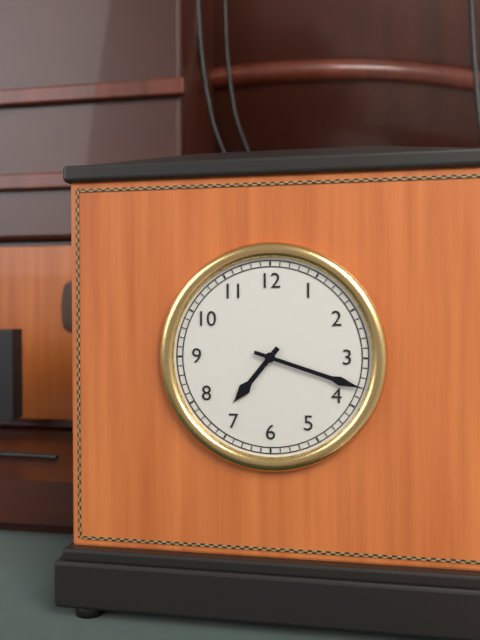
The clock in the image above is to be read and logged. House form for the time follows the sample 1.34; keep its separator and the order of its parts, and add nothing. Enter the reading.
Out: 7.18
